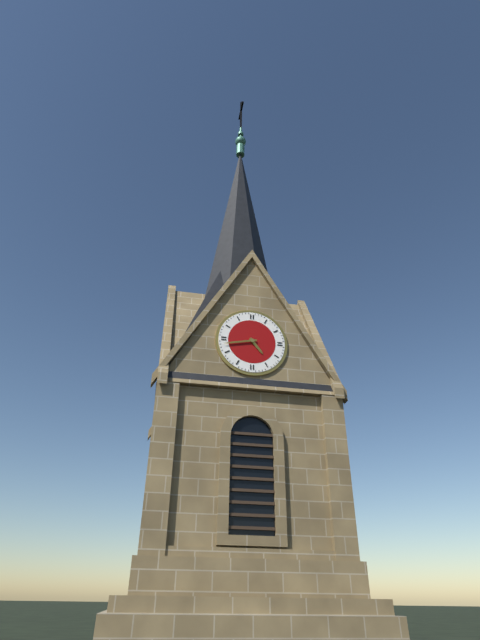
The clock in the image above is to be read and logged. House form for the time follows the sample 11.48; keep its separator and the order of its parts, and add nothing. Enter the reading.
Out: 4.43
